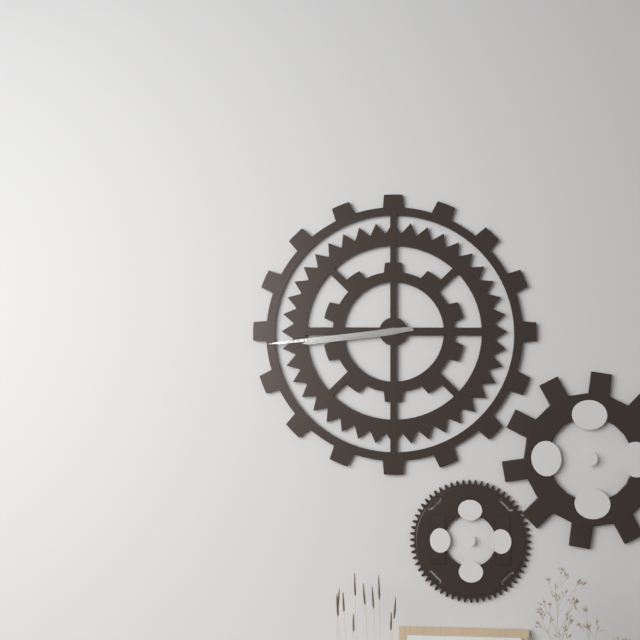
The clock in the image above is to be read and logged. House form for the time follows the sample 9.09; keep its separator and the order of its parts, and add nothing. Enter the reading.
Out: 8.44
